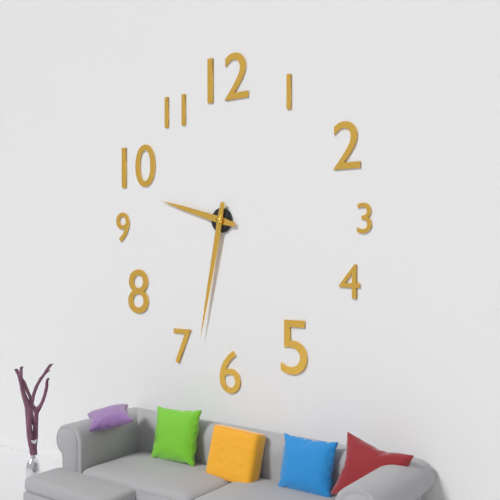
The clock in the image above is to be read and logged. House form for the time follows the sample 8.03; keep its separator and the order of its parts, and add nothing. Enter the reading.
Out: 9.32
